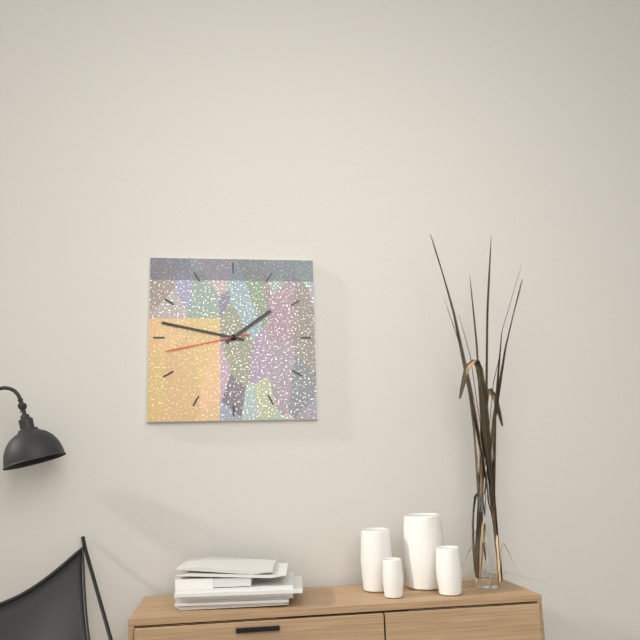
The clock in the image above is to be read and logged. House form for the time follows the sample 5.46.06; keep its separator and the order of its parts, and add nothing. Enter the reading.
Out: 1.47.43
